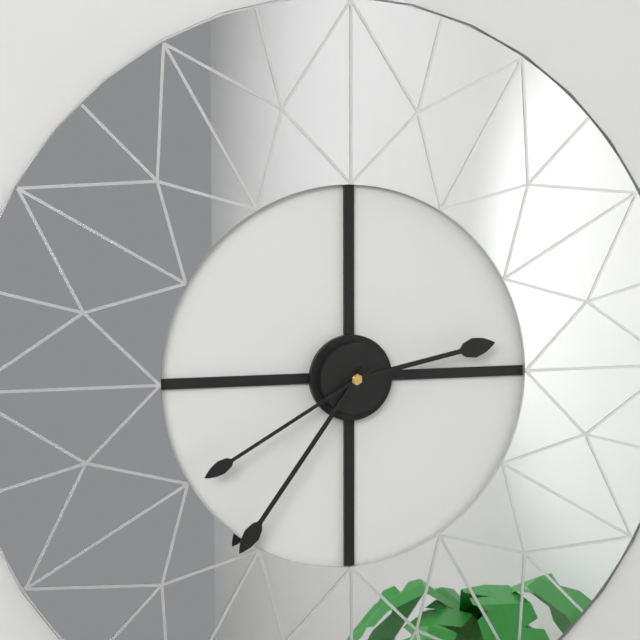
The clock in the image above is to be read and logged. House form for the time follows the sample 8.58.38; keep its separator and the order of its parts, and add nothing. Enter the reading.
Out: 2.36.40
